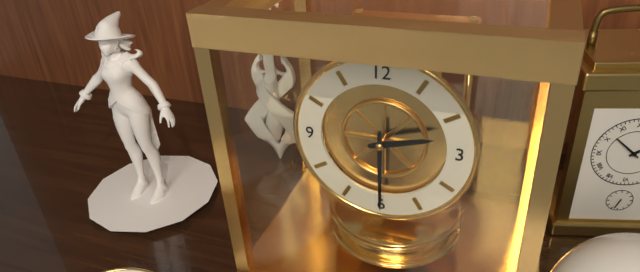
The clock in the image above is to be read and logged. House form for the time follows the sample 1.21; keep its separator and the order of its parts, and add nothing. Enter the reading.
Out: 2.30
